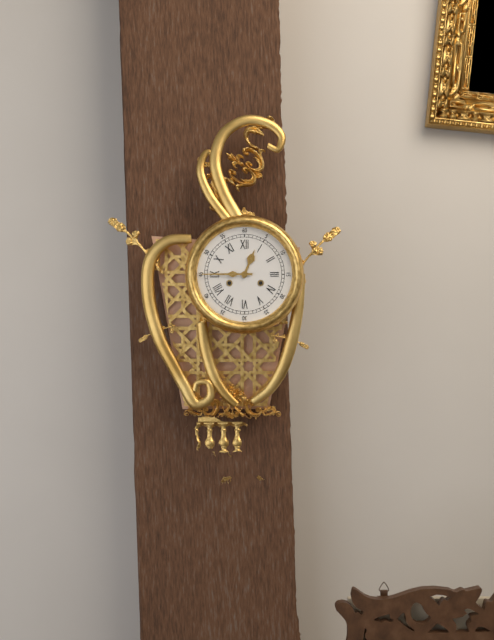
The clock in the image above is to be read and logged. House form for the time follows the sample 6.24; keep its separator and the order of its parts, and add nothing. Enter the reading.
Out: 12.45
